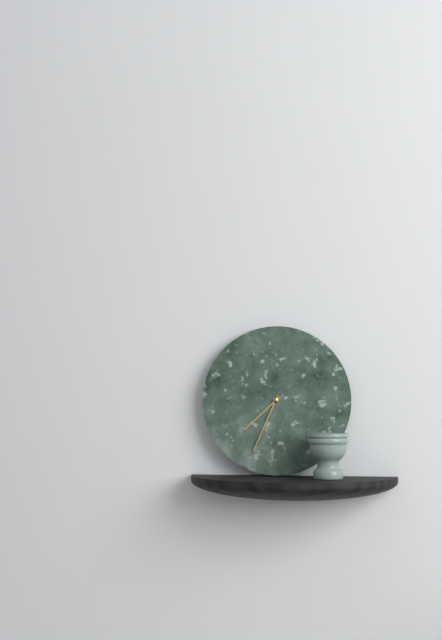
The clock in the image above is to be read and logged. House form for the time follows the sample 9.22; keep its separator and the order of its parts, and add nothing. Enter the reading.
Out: 7.34
